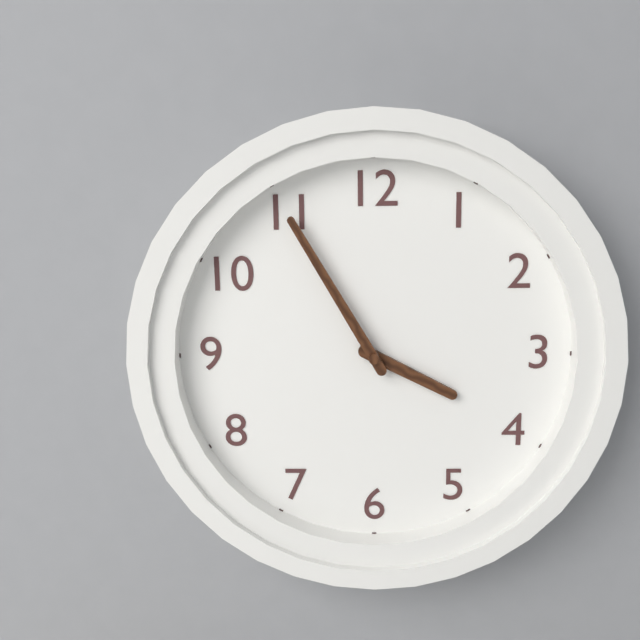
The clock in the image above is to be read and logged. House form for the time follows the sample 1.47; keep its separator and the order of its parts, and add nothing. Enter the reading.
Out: 3.55
